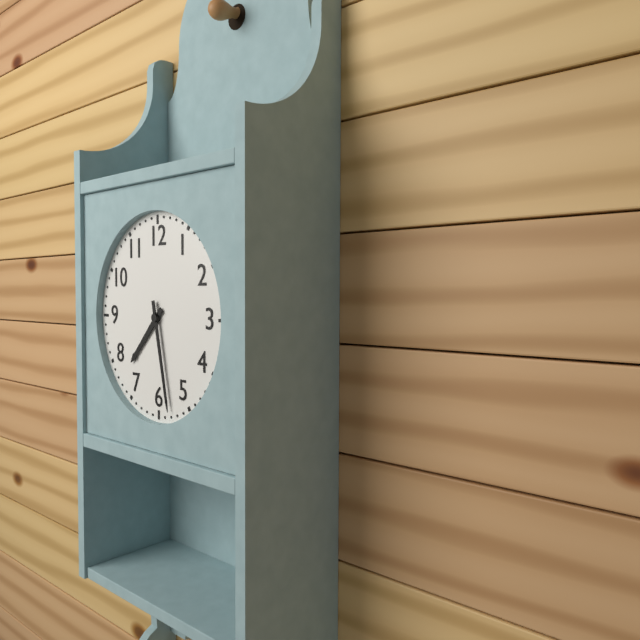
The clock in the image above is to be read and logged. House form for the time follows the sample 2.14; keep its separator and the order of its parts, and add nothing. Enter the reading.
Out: 7.28
